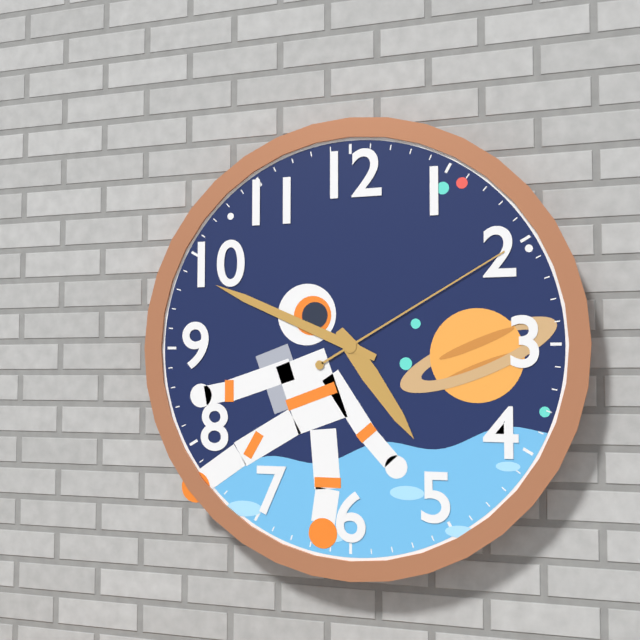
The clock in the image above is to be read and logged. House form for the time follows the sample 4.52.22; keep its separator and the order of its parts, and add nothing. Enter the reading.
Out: 4.49.10
